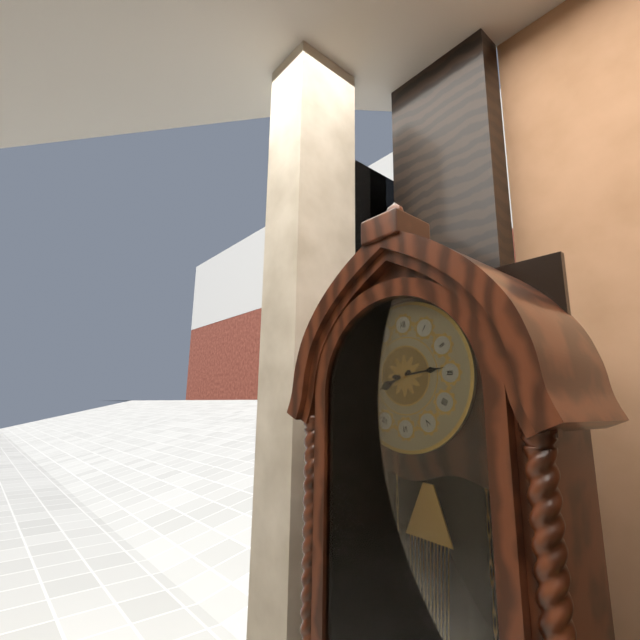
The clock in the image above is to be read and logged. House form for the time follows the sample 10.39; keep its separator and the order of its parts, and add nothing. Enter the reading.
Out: 8.14
